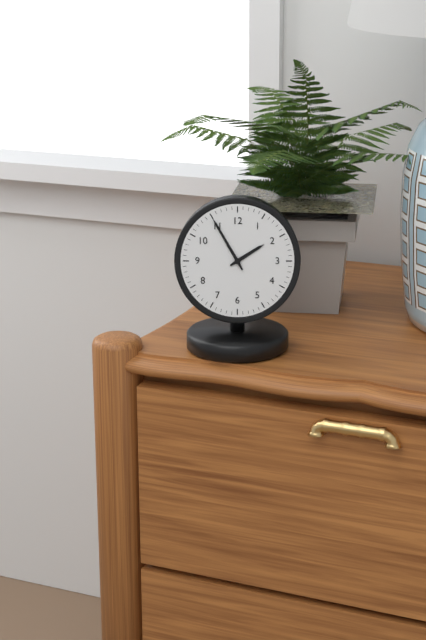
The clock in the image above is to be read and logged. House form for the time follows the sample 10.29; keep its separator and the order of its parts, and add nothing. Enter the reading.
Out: 1.55
